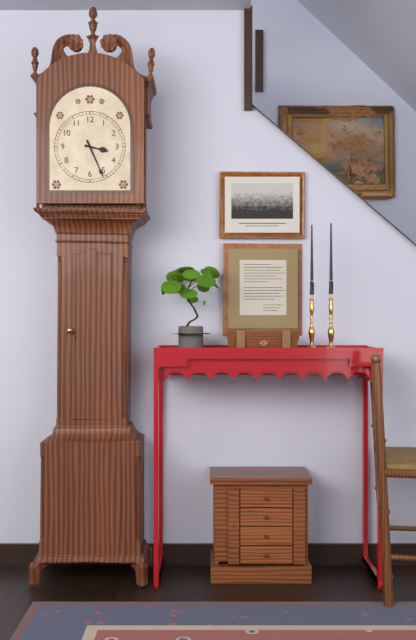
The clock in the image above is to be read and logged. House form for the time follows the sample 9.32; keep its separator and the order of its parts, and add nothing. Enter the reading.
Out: 3.26
